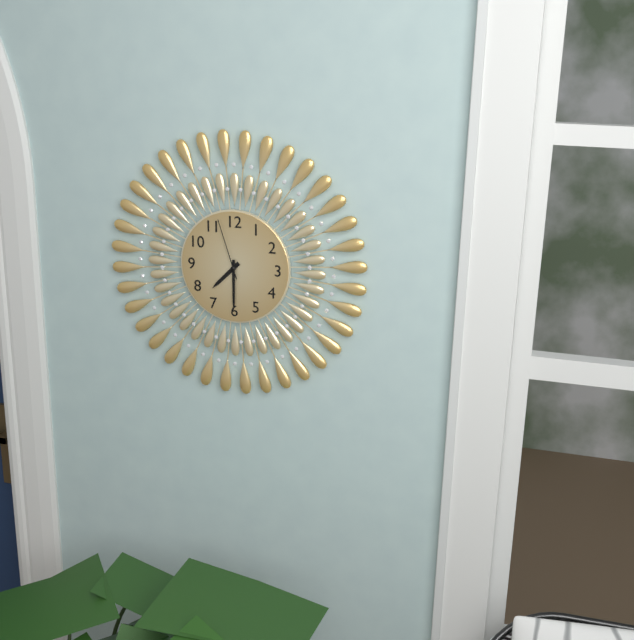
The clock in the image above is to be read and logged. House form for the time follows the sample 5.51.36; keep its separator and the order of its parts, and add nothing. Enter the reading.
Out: 7.30.57
